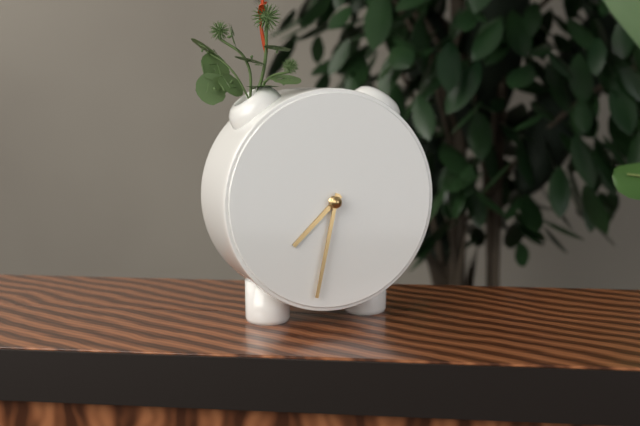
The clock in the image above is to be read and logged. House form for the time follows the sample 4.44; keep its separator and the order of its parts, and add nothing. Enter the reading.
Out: 7.32
